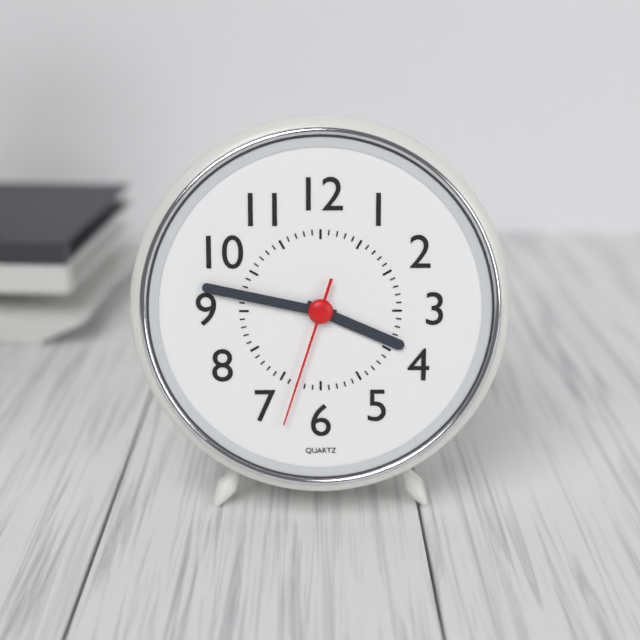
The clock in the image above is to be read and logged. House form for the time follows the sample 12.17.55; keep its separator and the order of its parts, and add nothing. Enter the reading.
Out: 3.47.33
